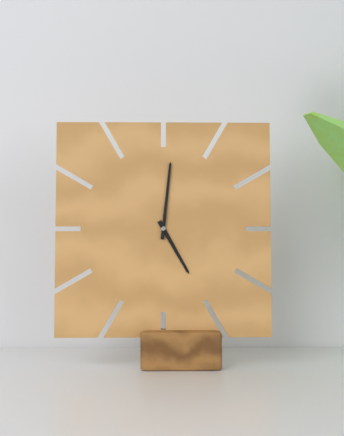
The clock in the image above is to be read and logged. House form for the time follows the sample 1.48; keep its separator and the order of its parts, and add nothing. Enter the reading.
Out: 5.01
